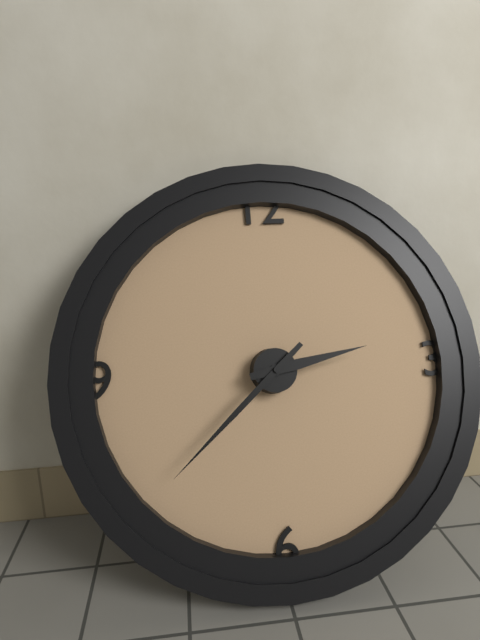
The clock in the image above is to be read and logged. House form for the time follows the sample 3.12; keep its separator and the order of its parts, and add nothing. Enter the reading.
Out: 2.38
